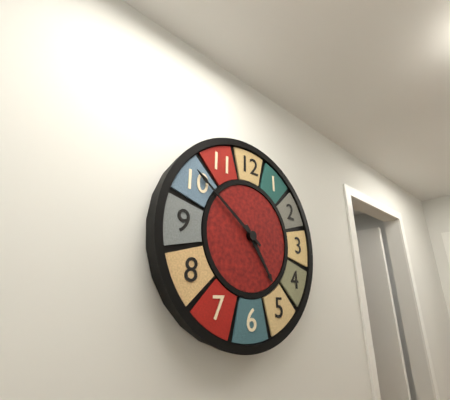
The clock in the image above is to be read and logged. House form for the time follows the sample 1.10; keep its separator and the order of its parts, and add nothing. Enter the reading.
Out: 4.51
